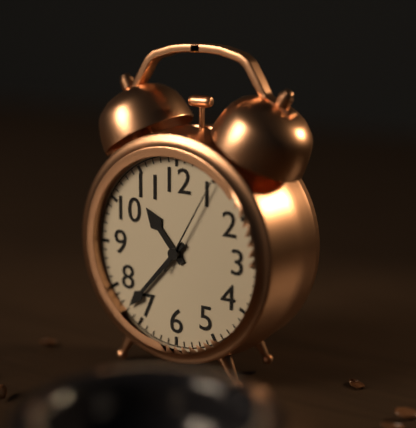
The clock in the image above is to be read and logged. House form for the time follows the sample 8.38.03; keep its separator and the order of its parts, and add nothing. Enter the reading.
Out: 10.37.05
